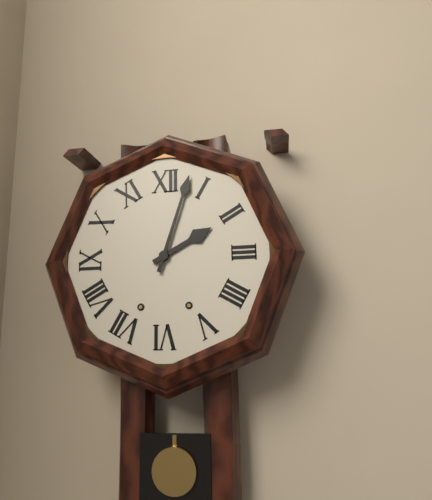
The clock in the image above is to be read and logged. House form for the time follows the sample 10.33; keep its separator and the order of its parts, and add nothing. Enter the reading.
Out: 2.03
